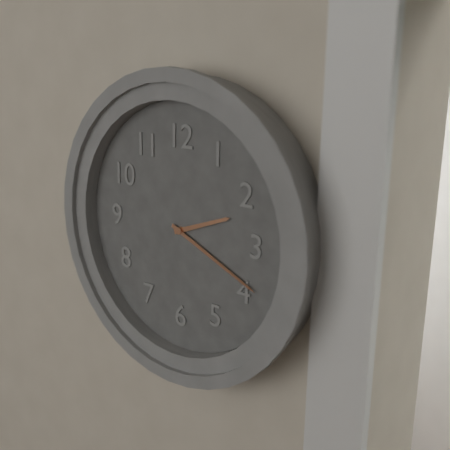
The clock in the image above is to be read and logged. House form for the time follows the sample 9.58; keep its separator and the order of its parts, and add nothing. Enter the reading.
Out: 2.19
